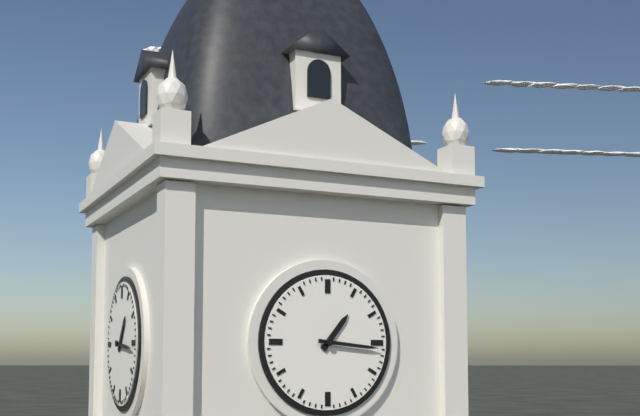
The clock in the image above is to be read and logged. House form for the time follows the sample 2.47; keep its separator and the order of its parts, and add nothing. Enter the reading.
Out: 1.16
